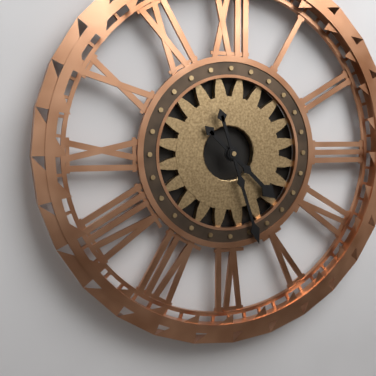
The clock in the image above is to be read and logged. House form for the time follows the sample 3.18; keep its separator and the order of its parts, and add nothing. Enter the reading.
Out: 4.27
